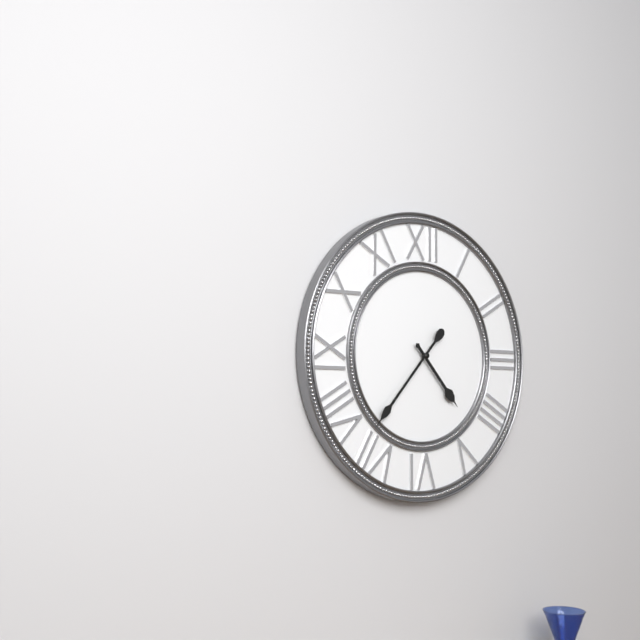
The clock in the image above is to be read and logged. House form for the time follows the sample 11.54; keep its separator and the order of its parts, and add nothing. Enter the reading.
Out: 4.37
